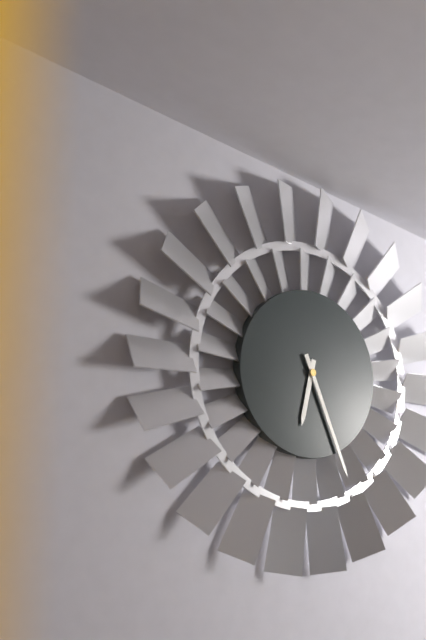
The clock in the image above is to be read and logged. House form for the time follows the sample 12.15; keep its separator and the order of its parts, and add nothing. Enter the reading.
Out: 6.26
